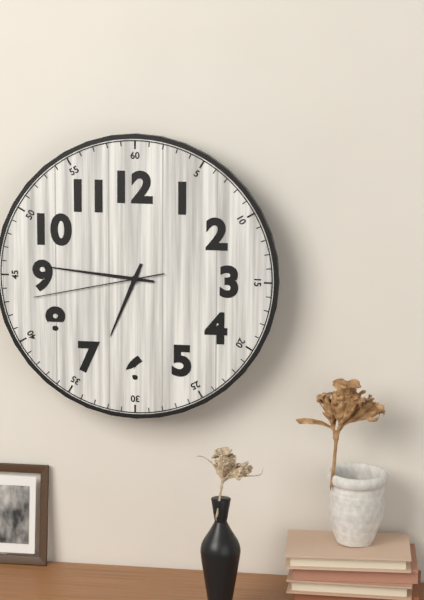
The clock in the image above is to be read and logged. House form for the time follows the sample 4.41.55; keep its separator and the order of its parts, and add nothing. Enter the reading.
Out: 6.46.43
